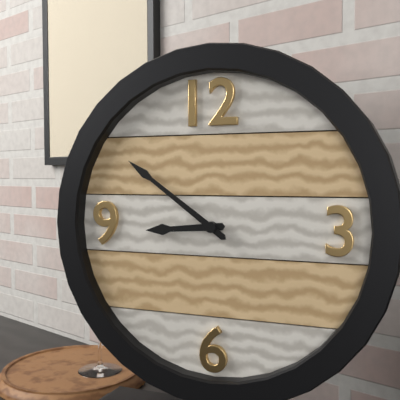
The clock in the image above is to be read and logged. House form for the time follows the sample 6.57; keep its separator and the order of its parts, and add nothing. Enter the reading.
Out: 8.51
